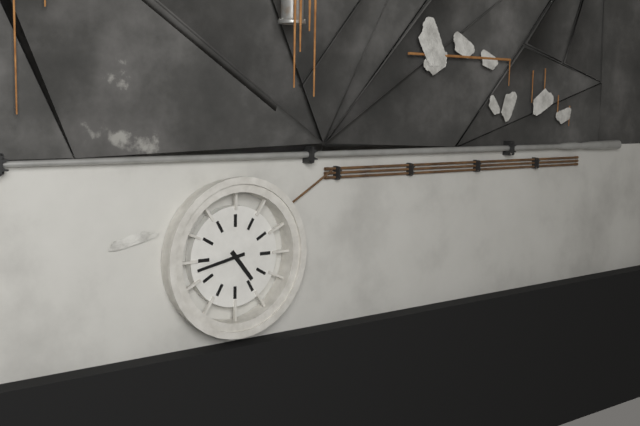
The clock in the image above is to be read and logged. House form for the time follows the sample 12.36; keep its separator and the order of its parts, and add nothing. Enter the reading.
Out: 4.43
